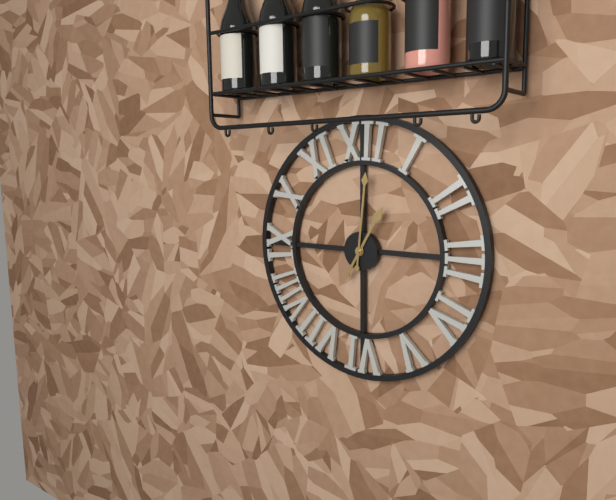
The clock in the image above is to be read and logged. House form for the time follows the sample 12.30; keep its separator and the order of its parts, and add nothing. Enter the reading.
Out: 1.01
